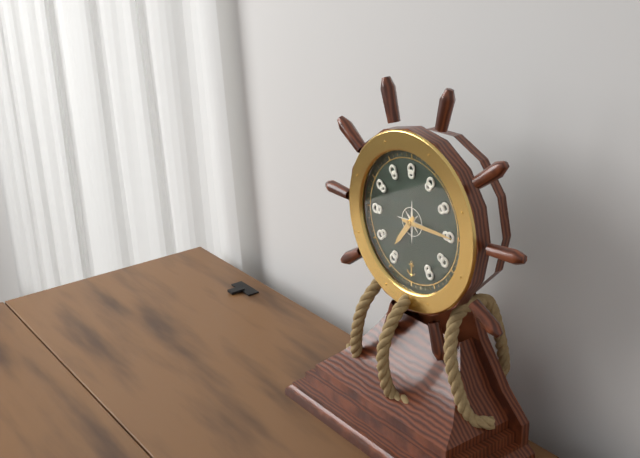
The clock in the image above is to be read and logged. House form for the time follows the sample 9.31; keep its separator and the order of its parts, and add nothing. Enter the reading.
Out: 7.15
